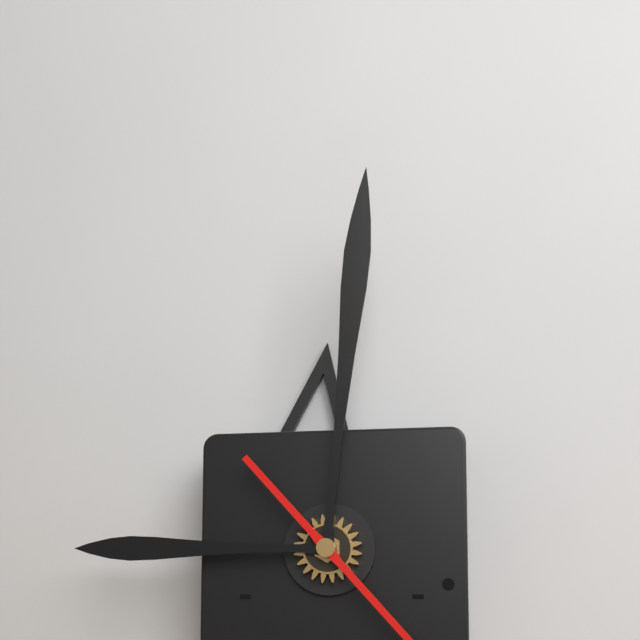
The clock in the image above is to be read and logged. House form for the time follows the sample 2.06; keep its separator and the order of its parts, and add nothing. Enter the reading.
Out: 9.01
